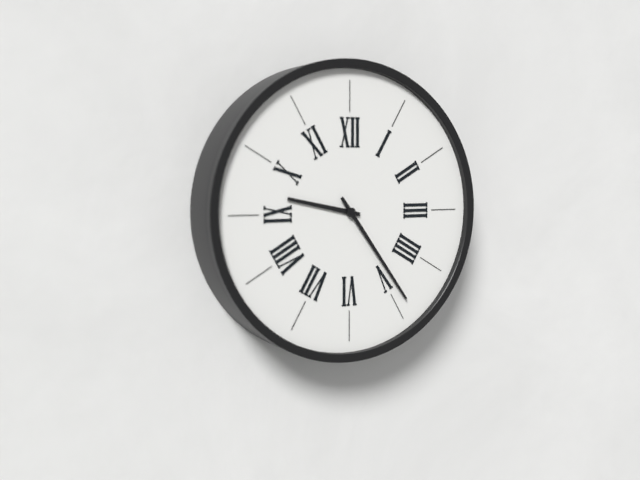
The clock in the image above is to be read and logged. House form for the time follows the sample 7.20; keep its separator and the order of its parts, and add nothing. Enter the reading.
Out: 9.24
